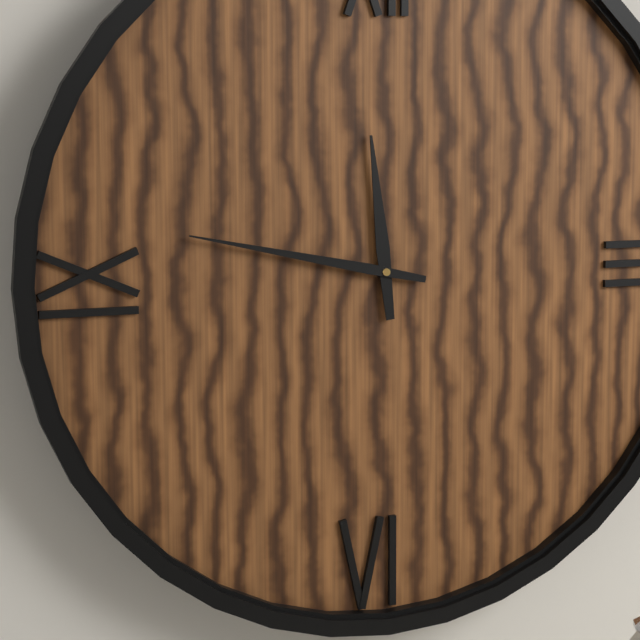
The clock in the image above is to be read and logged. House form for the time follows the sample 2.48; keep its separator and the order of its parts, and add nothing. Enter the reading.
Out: 11.47
